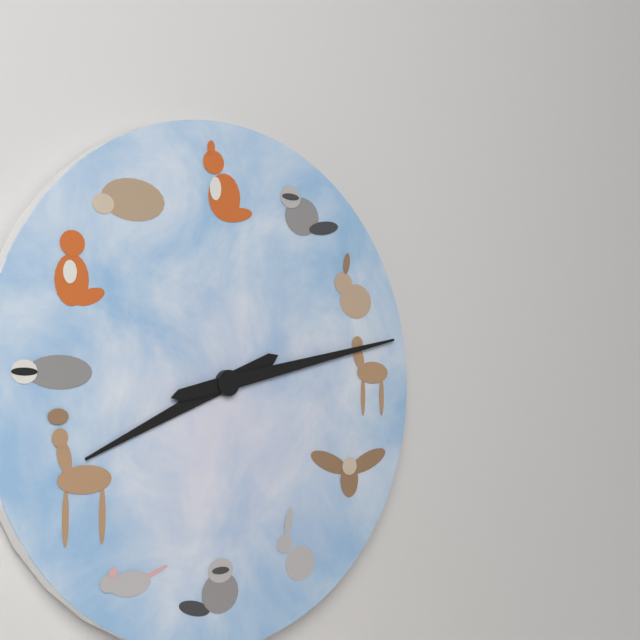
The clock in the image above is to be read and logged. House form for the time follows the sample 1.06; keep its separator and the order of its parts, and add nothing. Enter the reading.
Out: 8.13
